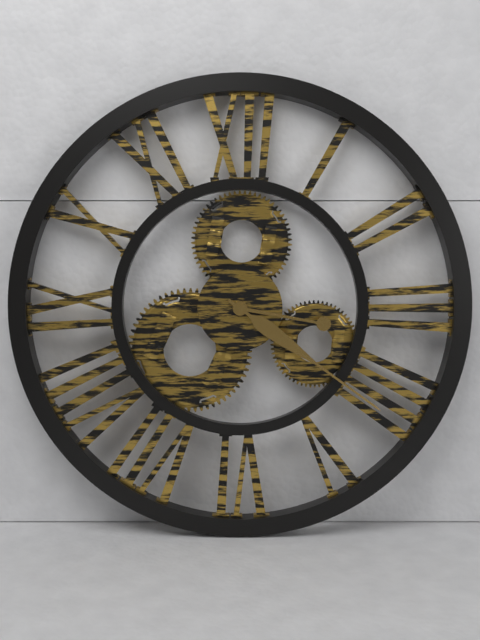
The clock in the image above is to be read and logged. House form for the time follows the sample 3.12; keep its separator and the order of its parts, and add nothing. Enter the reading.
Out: 3.21
